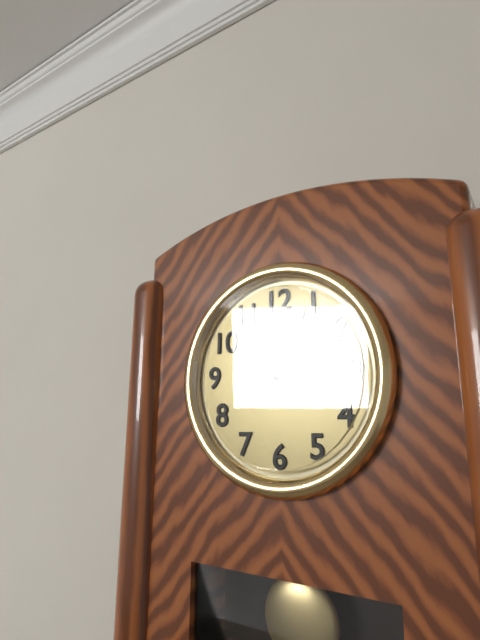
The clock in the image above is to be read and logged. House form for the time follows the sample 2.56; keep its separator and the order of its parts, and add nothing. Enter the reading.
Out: 2.04
